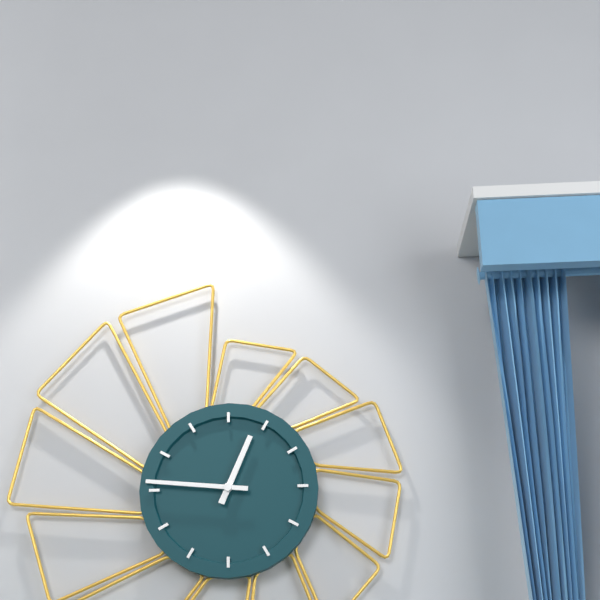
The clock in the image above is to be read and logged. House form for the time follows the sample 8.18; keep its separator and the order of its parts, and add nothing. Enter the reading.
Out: 12.46
